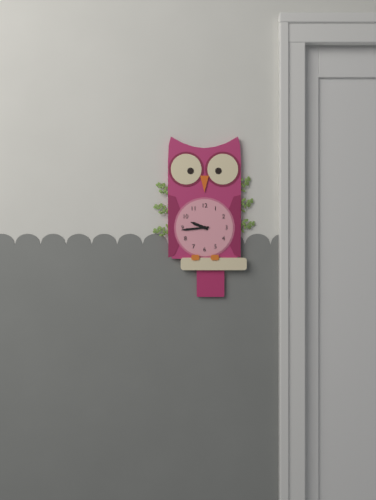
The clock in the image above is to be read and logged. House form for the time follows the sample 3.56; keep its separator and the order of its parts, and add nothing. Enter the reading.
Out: 9.44
